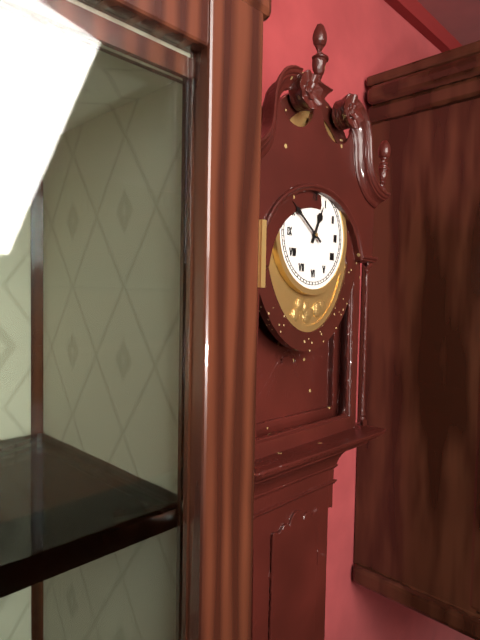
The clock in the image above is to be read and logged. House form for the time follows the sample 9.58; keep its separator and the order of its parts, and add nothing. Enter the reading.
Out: 12.51
